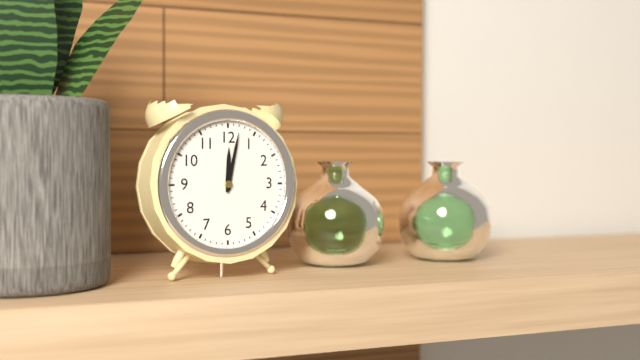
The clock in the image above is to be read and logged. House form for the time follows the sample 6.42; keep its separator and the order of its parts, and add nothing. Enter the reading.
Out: 12.02
